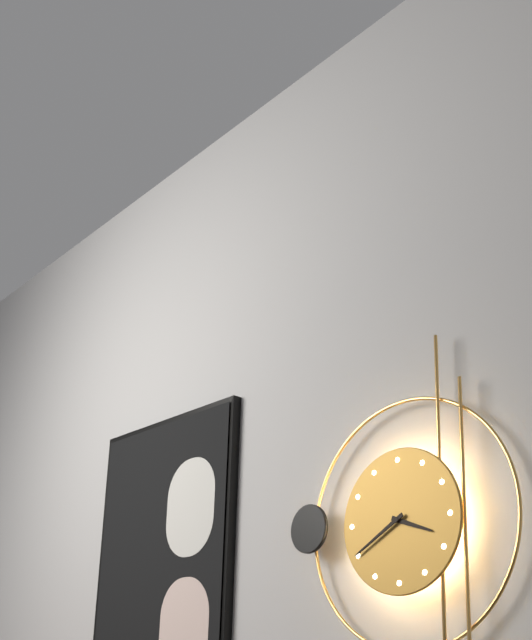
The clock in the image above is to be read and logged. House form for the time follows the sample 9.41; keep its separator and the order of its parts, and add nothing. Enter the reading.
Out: 3.40
